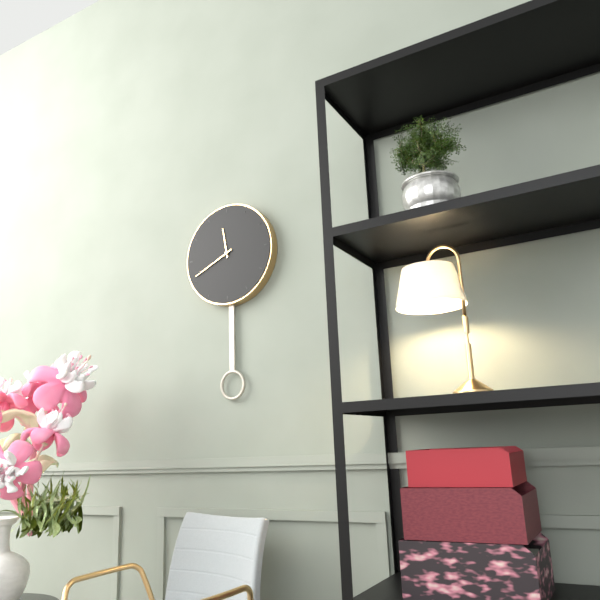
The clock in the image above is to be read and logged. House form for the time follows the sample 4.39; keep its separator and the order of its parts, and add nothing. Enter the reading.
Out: 11.41
